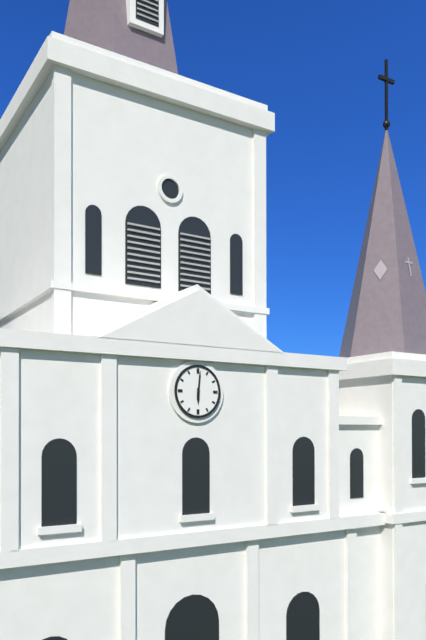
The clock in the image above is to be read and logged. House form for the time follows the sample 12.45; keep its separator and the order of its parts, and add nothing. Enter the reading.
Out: 6.01
